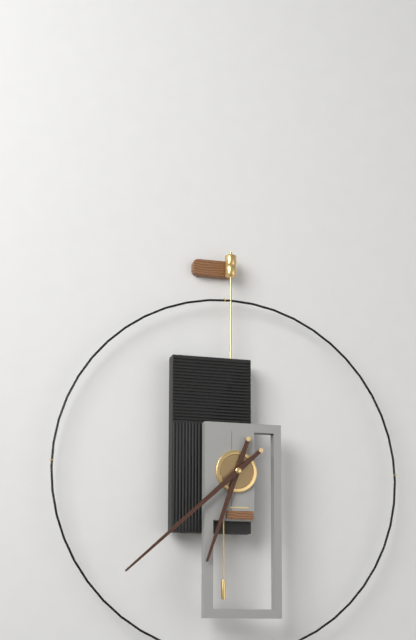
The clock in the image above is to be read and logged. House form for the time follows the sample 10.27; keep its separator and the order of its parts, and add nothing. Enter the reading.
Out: 6.38
